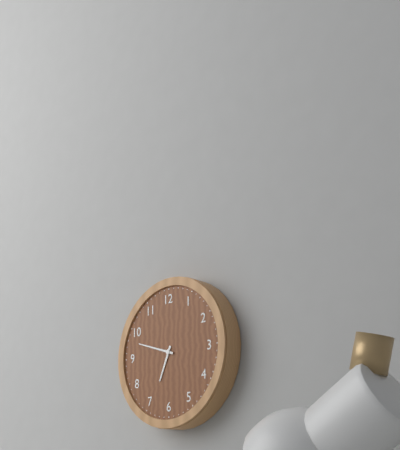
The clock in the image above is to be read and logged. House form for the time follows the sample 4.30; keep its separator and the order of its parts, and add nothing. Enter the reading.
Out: 6.48
